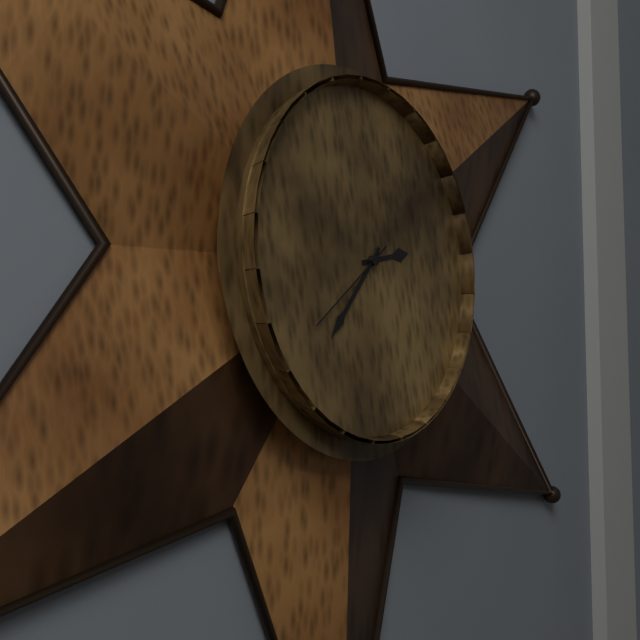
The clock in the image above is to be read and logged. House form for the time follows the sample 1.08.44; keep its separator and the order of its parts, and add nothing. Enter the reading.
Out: 2.37.39
